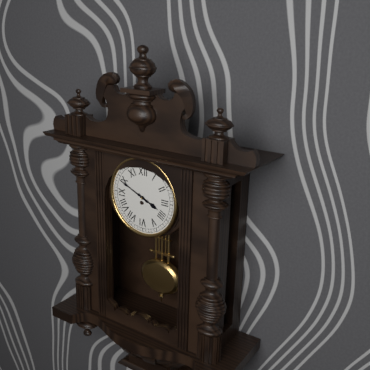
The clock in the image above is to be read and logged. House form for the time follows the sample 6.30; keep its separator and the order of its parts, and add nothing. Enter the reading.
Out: 3.49
